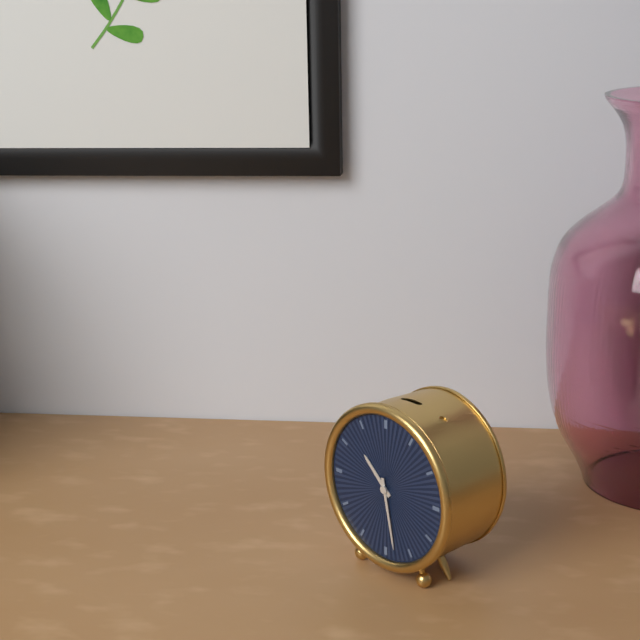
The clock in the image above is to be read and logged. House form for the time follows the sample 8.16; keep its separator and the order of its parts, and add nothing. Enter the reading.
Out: 10.28
